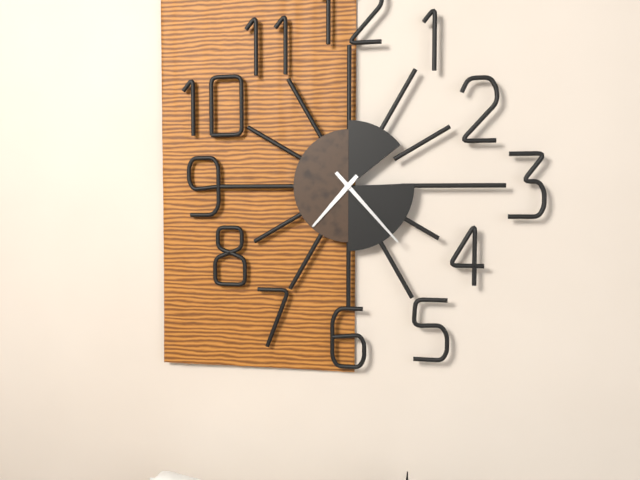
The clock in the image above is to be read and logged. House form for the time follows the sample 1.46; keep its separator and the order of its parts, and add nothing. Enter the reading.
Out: 7.23
